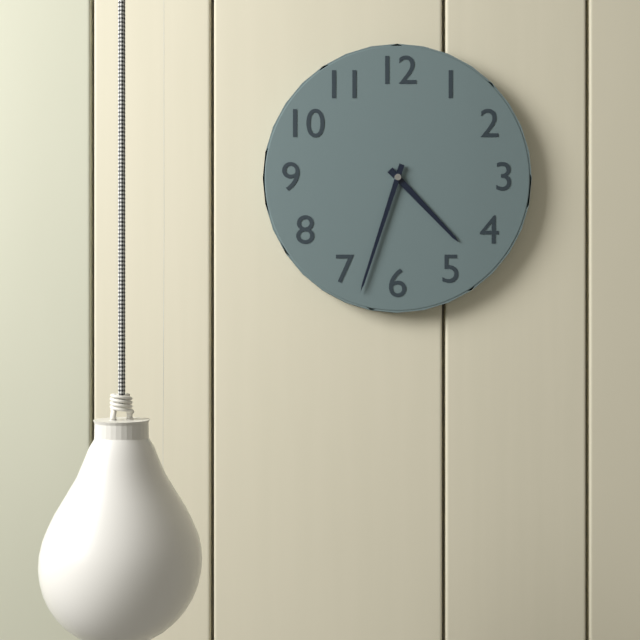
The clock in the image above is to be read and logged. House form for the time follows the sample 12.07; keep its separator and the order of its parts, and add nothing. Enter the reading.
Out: 4.33
